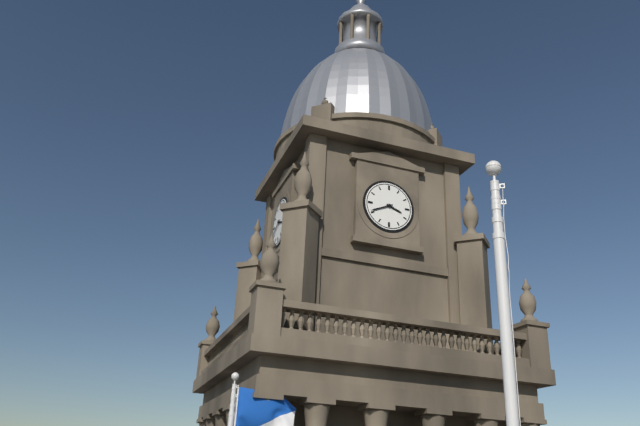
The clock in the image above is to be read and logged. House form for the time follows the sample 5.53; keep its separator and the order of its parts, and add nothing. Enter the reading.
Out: 3.41
